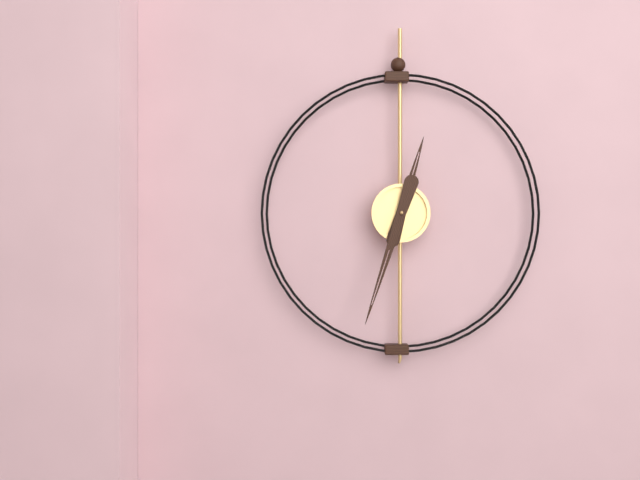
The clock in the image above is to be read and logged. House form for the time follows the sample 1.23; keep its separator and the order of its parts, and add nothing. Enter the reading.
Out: 12.33
